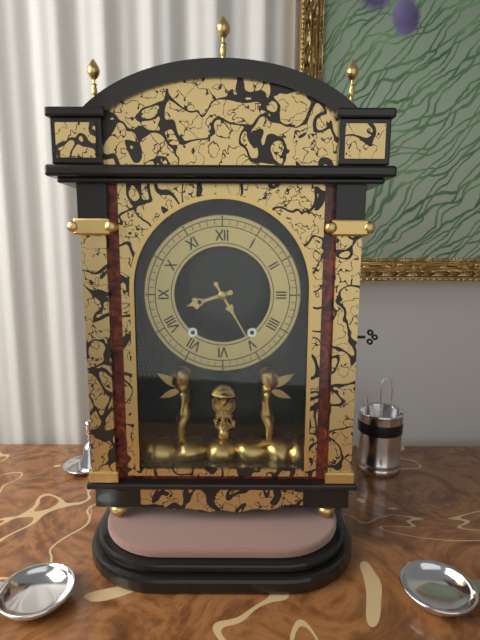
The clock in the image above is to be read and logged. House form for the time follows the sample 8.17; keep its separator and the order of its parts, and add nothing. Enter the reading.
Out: 8.25
